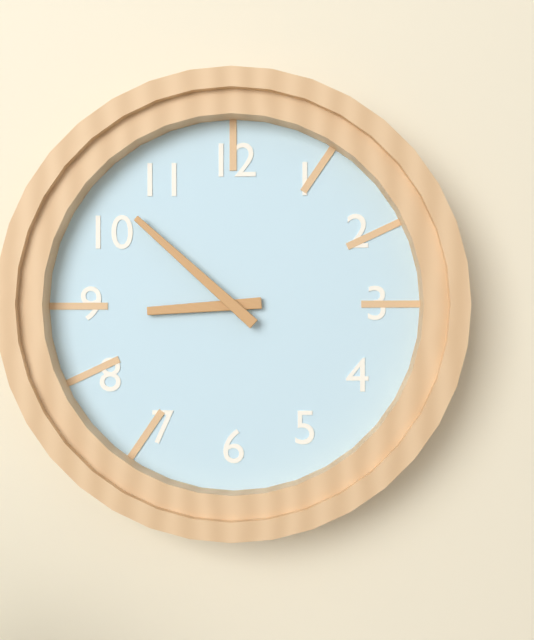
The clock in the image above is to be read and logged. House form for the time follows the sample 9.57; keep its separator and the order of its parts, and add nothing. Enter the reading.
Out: 8.52
